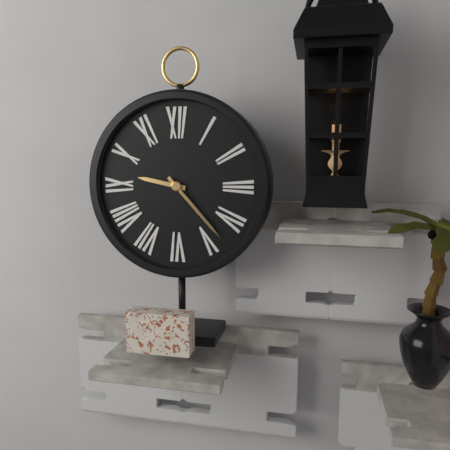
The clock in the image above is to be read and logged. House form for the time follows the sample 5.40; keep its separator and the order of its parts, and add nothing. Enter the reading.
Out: 9.23
